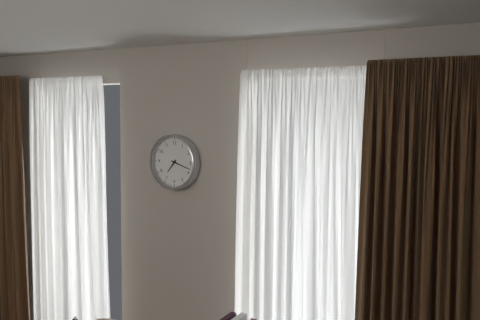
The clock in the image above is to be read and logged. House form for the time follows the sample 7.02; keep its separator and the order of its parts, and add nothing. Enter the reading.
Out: 7.18
